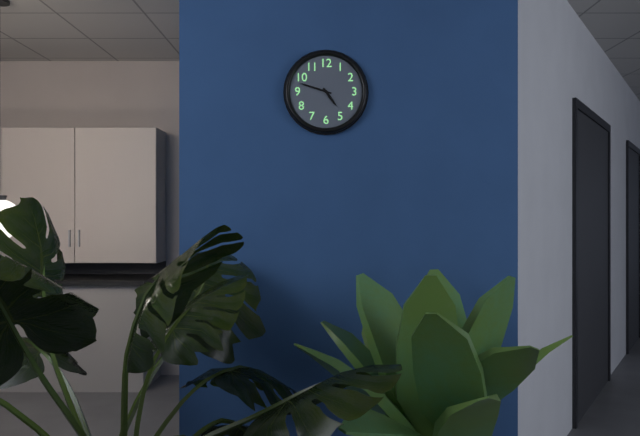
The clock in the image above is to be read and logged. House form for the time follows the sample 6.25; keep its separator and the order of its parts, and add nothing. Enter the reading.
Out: 4.48
